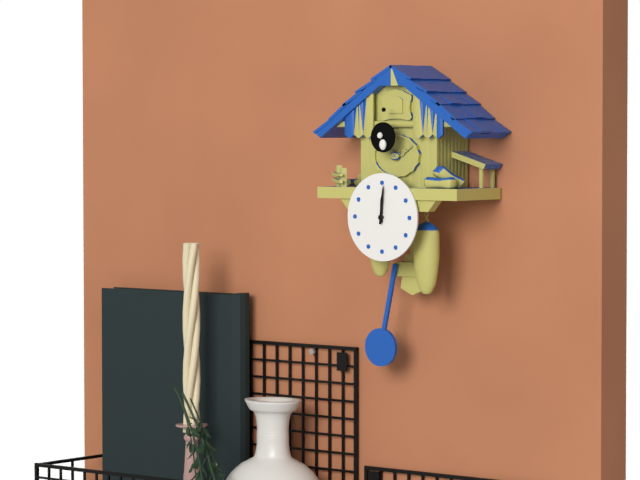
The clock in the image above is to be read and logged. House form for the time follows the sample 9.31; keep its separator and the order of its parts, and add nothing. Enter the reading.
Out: 12.01
